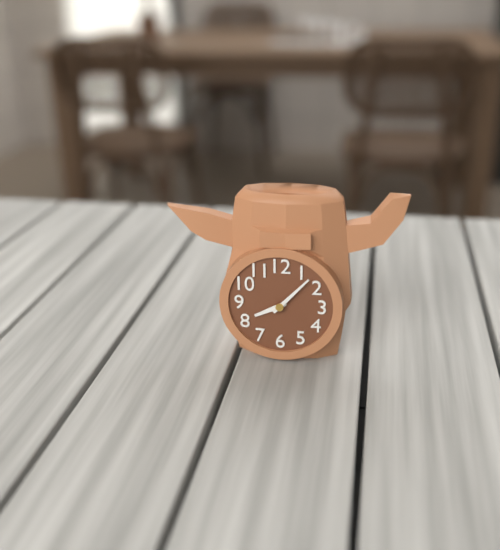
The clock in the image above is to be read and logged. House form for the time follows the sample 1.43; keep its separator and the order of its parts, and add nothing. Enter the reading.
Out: 8.07
